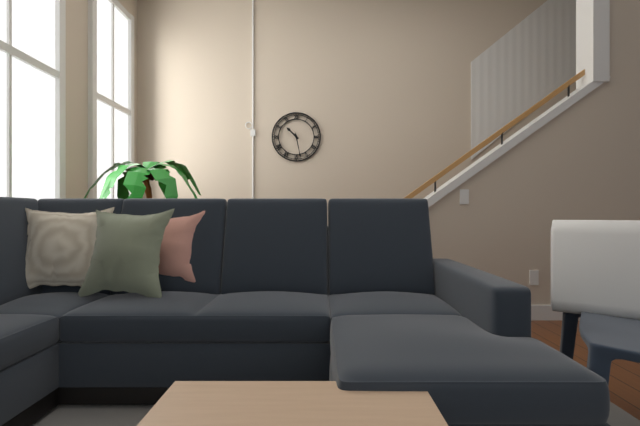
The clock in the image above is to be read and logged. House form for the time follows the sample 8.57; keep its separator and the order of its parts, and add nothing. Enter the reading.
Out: 10.28
